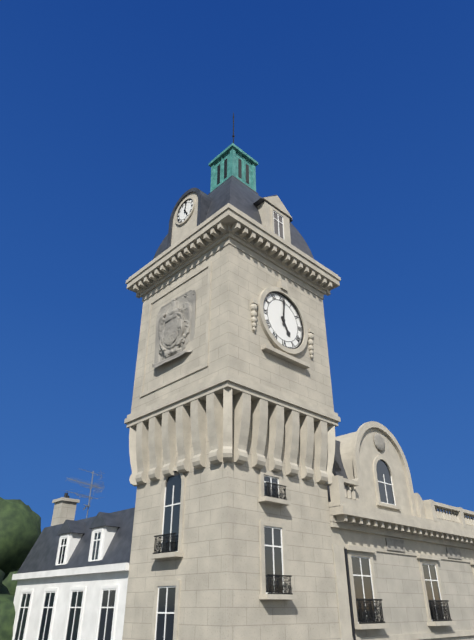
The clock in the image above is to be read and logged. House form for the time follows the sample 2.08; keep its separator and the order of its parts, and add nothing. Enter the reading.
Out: 5.01
